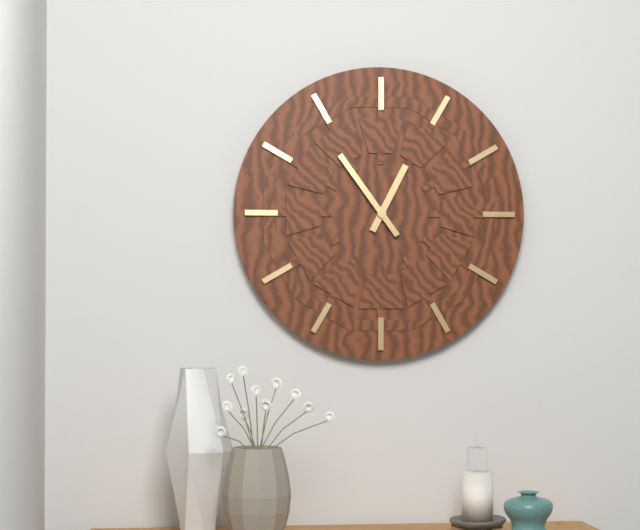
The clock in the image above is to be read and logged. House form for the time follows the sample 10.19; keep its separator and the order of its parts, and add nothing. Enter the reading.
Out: 12.54
